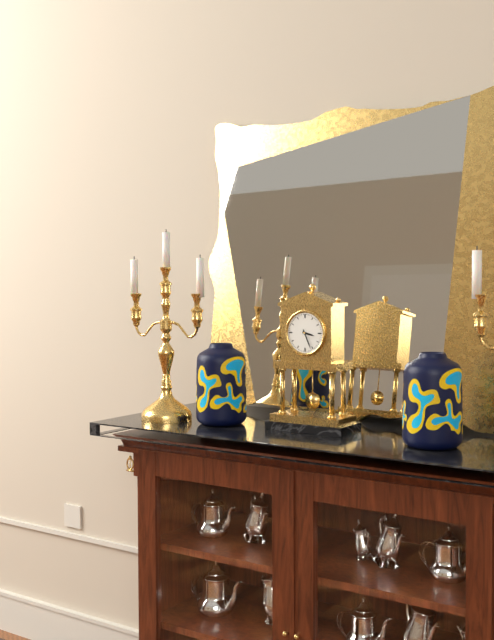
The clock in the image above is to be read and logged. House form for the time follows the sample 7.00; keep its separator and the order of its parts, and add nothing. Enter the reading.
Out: 3.26
